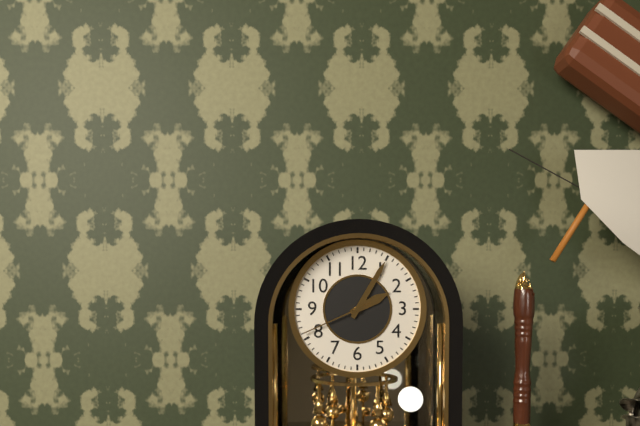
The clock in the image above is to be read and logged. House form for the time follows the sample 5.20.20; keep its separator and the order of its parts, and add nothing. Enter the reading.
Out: 2.05.41
